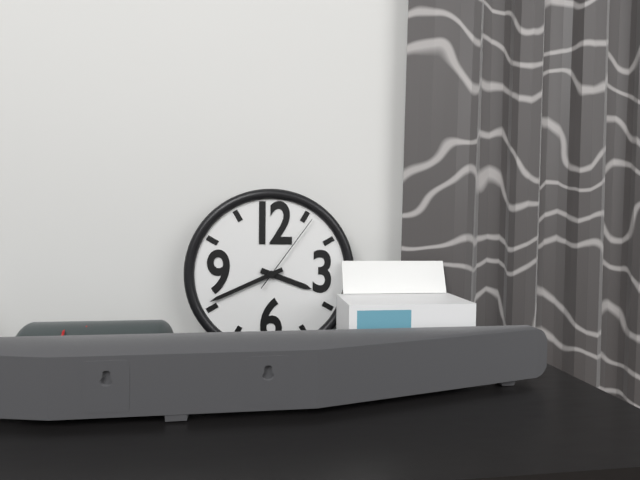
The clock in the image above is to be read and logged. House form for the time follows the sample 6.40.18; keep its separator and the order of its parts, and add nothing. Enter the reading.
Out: 3.41.06
